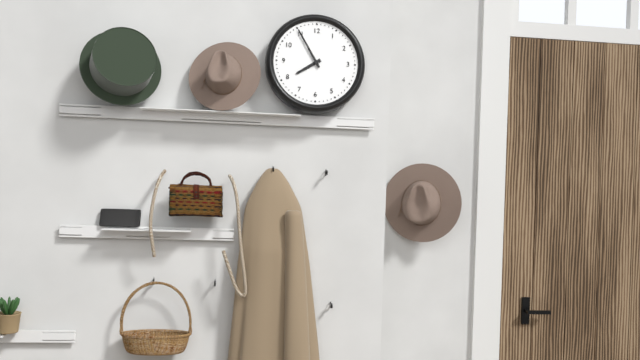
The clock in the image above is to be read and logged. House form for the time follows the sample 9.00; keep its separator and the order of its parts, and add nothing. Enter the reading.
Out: 7.55
